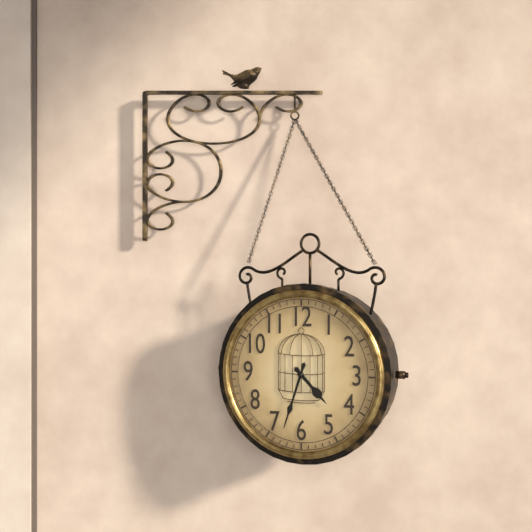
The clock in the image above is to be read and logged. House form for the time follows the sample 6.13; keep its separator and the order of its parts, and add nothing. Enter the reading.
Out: 4.33
